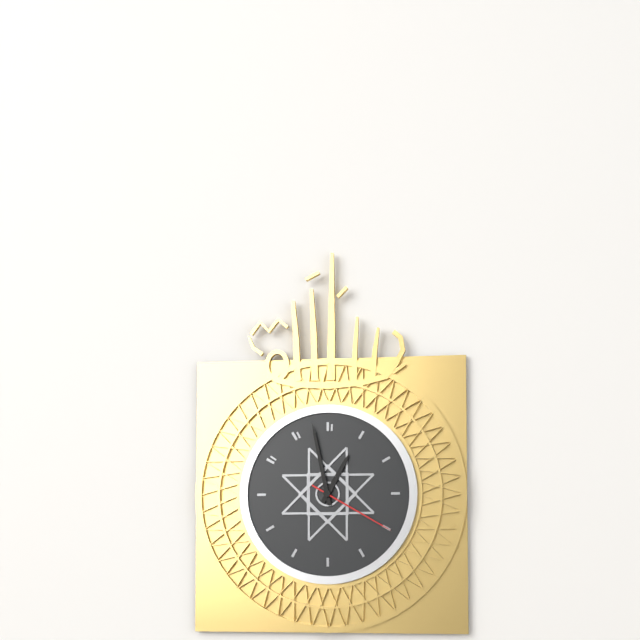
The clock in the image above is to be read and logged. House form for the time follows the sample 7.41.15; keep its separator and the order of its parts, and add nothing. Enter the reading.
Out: 12.58.20
